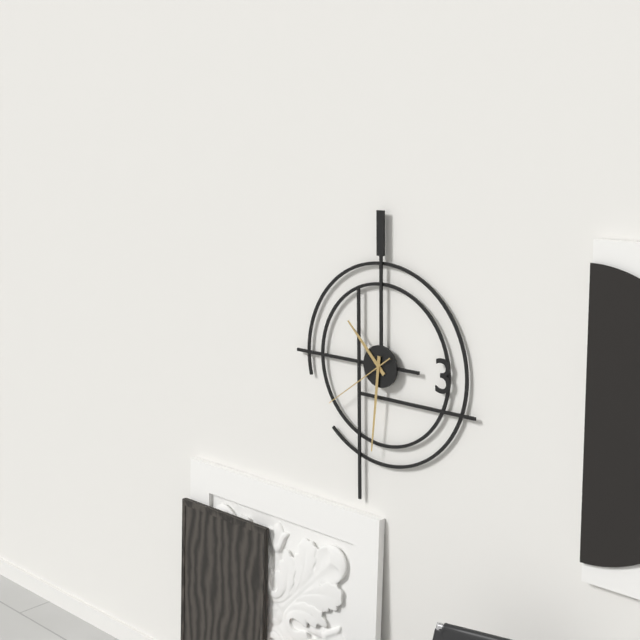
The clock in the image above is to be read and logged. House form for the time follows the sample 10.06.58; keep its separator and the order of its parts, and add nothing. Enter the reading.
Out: 10.31.39
